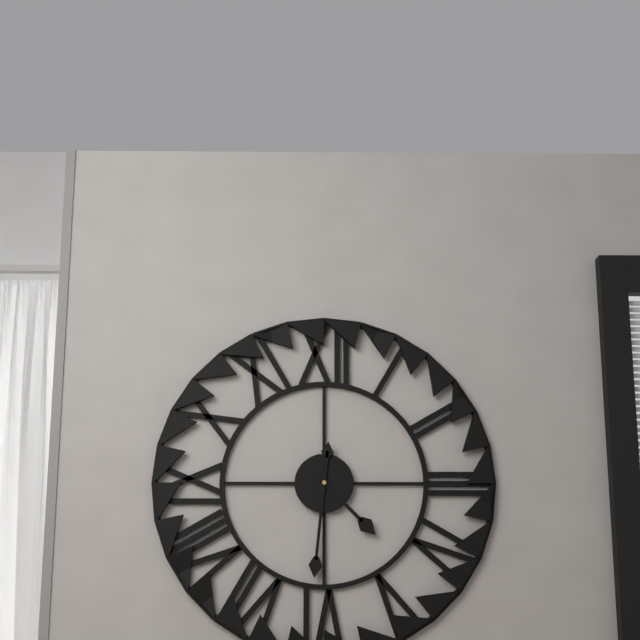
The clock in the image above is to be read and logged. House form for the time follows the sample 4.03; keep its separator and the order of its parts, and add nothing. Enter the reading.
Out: 4.31
